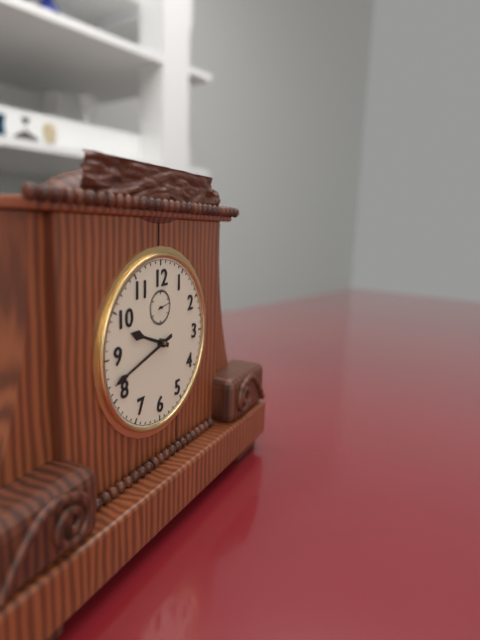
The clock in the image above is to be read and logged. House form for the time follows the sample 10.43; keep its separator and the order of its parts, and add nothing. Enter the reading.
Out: 9.42
